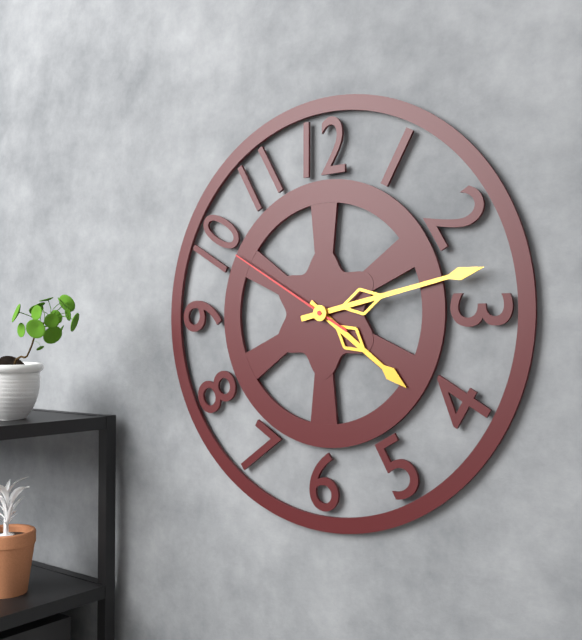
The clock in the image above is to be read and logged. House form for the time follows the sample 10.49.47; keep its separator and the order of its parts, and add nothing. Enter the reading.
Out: 4.13.50
